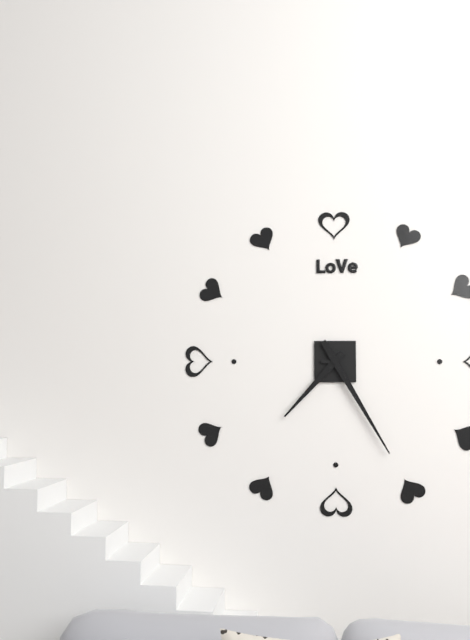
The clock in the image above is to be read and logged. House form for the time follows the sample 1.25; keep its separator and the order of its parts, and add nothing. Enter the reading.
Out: 7.25
